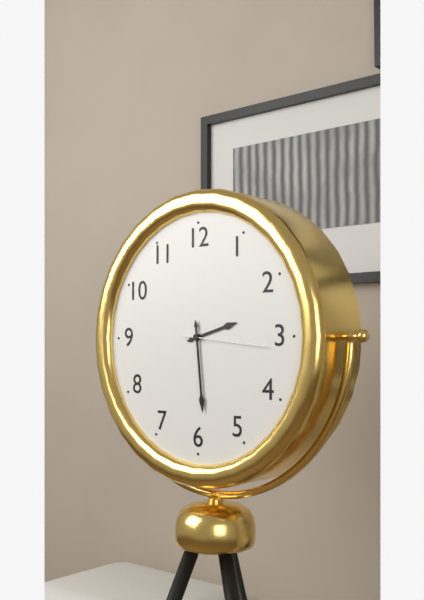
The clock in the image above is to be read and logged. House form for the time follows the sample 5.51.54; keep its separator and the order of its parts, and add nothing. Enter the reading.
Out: 2.29.16
